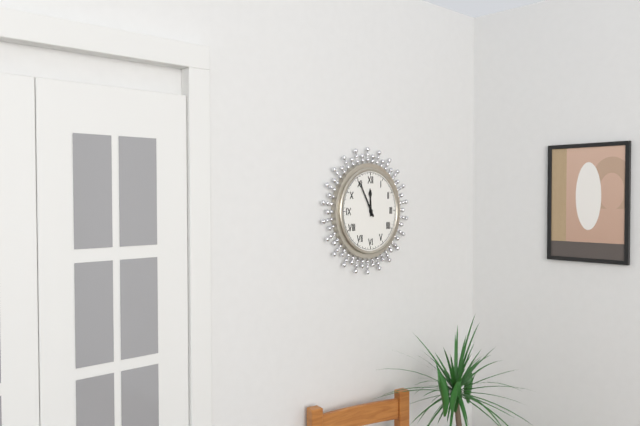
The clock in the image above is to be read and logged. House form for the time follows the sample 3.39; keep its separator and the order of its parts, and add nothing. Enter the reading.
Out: 11.55
